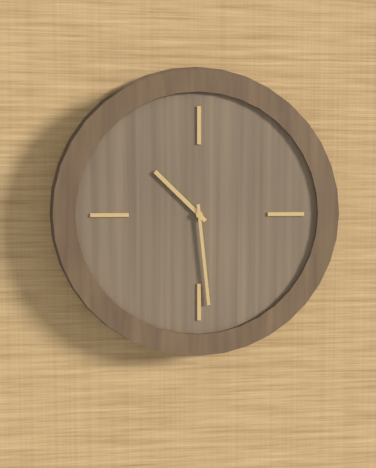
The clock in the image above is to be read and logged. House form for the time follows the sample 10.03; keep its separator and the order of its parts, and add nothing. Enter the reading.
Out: 10.29
